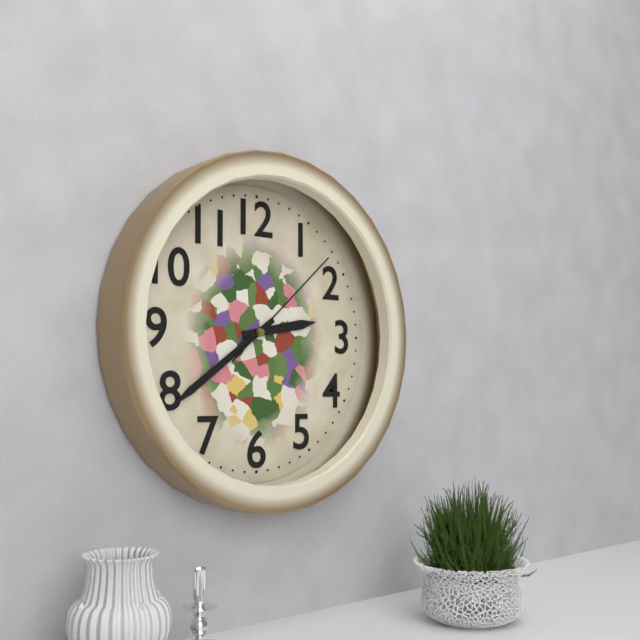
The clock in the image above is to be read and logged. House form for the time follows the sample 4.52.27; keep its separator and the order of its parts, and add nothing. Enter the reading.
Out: 2.39.08
